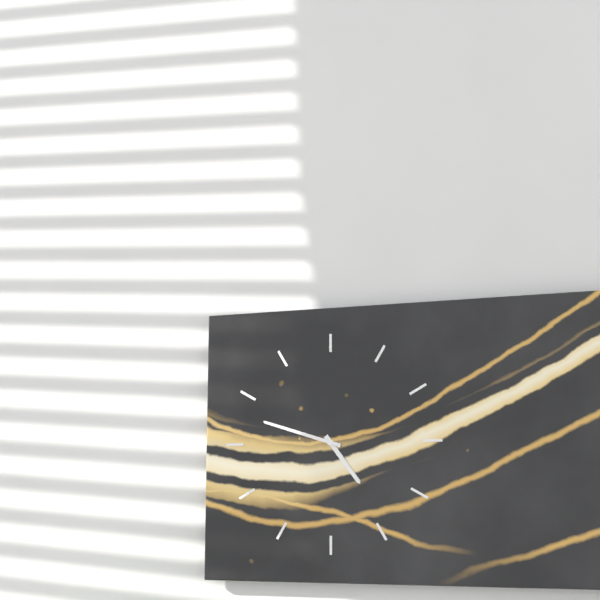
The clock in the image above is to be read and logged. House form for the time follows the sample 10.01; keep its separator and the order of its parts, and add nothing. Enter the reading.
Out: 4.48
